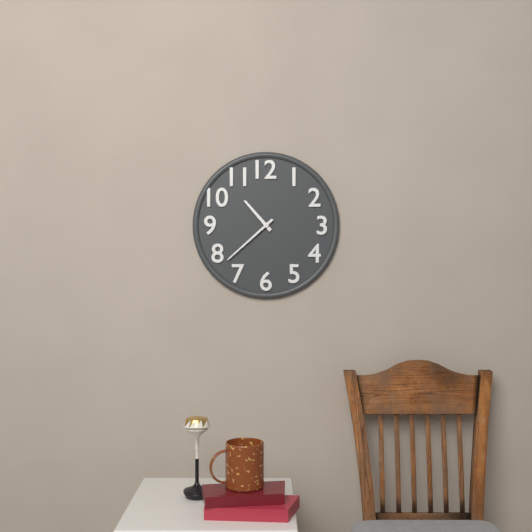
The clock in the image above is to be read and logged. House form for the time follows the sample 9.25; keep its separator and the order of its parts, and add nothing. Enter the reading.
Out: 10.38
